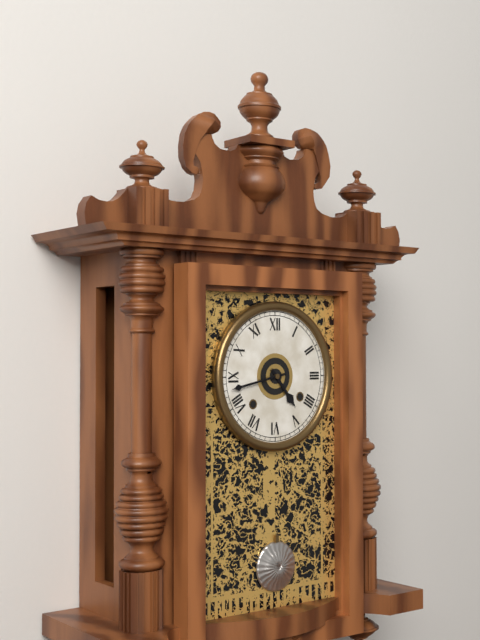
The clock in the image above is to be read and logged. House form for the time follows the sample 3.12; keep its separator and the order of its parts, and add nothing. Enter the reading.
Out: 4.43
